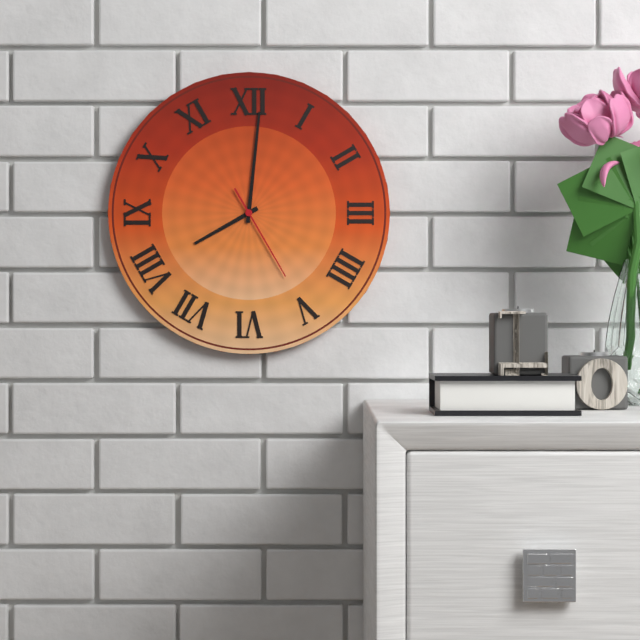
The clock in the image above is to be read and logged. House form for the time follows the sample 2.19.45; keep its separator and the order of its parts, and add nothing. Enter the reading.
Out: 8.01.25
